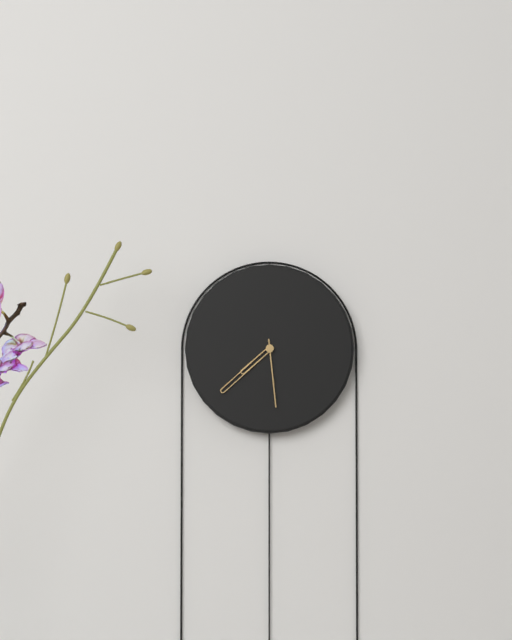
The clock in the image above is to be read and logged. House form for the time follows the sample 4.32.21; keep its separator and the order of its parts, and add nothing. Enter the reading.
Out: 7.38.29
